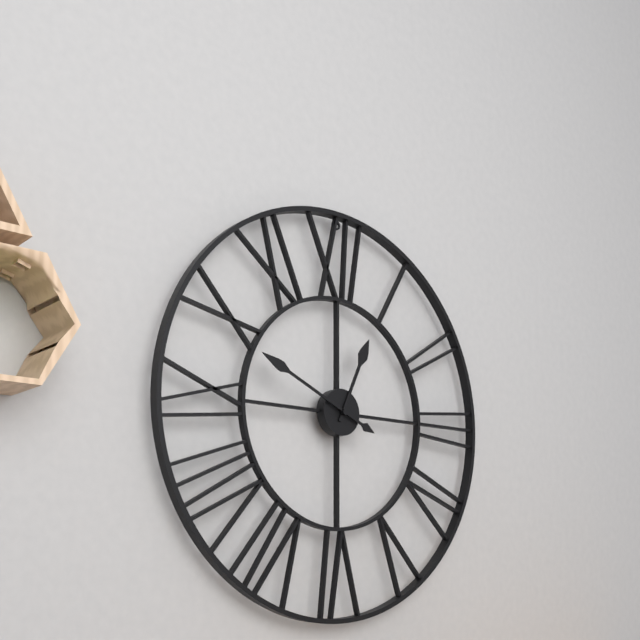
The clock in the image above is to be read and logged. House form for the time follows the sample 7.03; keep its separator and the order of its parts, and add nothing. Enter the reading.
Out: 12.49
